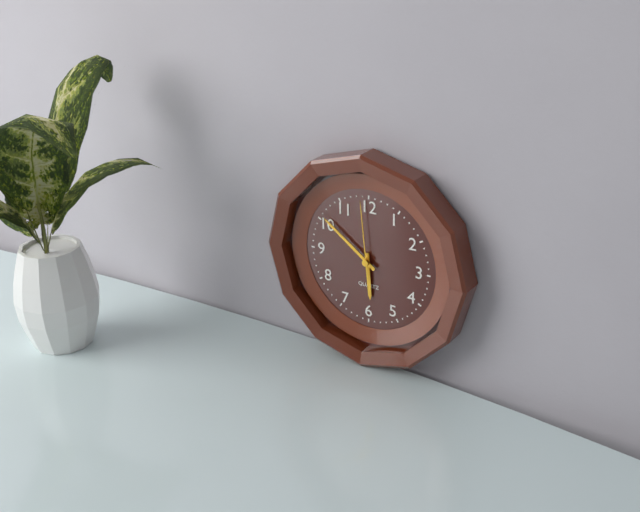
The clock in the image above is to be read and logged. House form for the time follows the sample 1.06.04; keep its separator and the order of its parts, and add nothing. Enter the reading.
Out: 5.51.59
